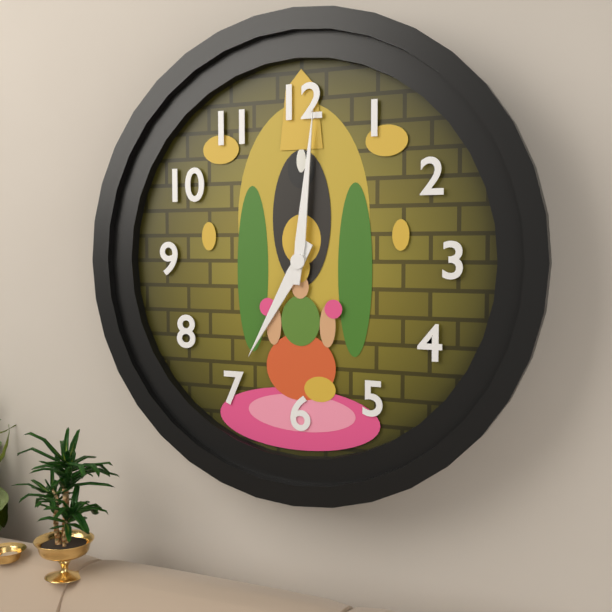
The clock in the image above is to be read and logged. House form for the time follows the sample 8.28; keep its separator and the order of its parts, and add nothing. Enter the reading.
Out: 7.01
